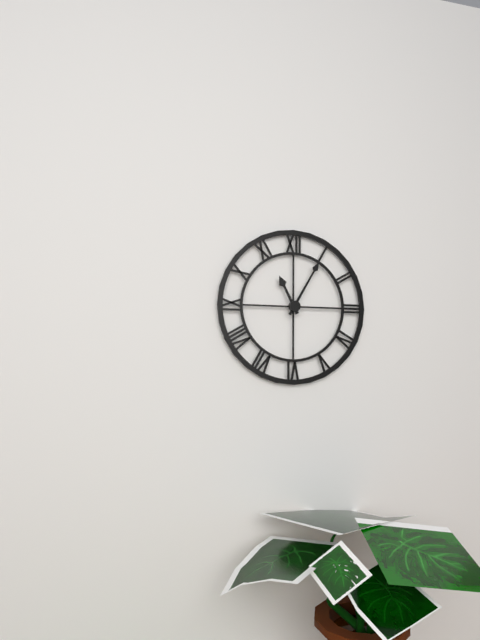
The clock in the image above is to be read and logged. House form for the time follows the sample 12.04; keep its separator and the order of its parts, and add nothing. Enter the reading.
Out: 11.05
